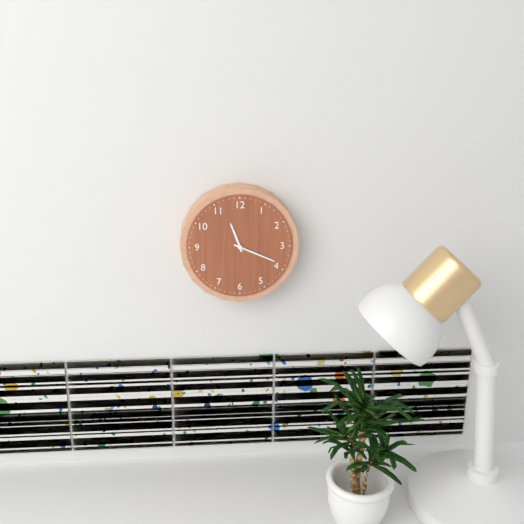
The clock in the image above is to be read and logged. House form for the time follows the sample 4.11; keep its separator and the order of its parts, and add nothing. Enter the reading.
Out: 11.19
